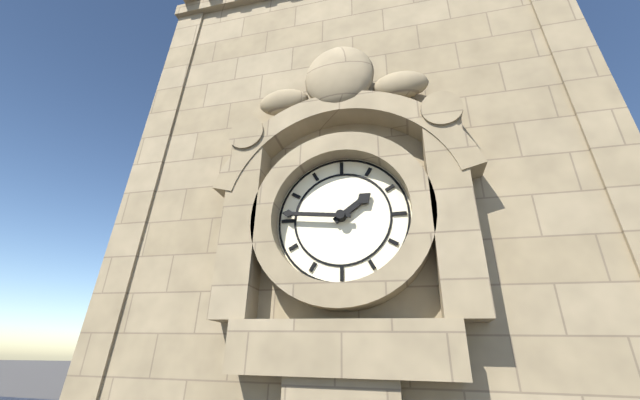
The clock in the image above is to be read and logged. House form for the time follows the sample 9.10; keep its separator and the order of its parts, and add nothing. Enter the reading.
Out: 1.46
